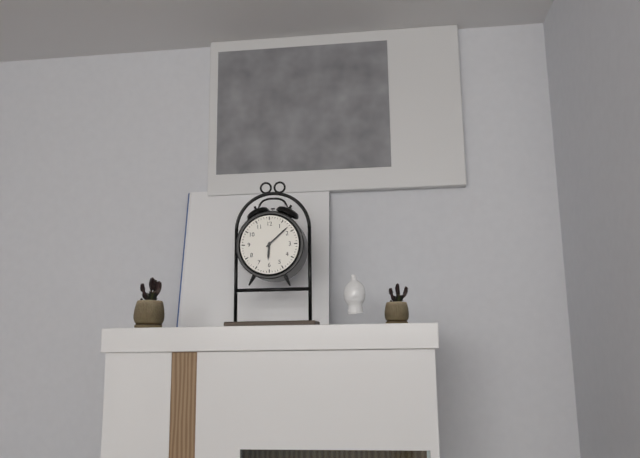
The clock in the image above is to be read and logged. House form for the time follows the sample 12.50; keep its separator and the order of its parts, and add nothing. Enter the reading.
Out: 6.08
